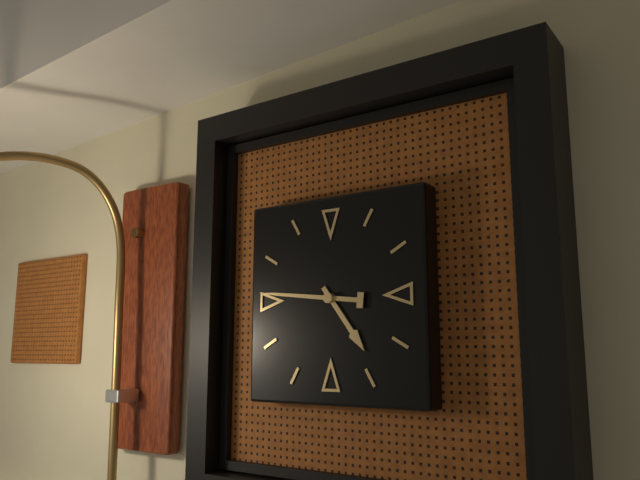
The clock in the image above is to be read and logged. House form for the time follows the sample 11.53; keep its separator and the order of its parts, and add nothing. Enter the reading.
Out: 4.46
